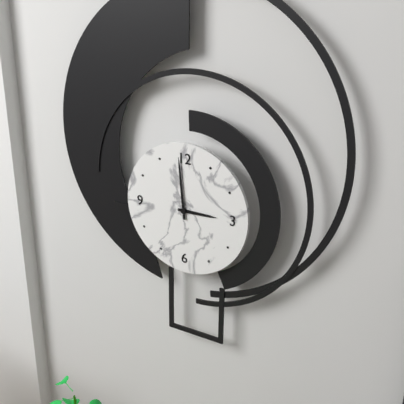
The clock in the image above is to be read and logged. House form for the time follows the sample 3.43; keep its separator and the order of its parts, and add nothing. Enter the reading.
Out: 2.59
